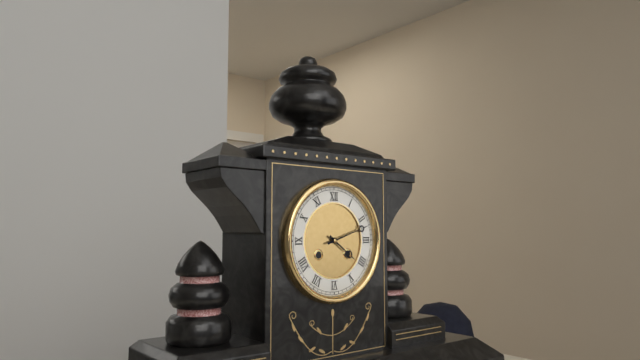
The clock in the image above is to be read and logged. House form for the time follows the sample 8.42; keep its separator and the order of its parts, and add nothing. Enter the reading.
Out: 4.12
